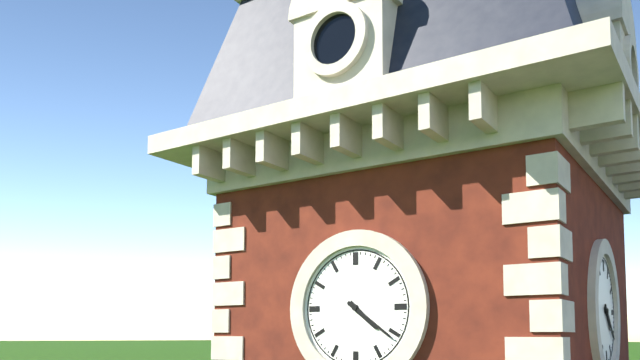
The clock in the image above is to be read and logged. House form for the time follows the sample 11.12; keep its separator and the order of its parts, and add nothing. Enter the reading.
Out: 4.21
